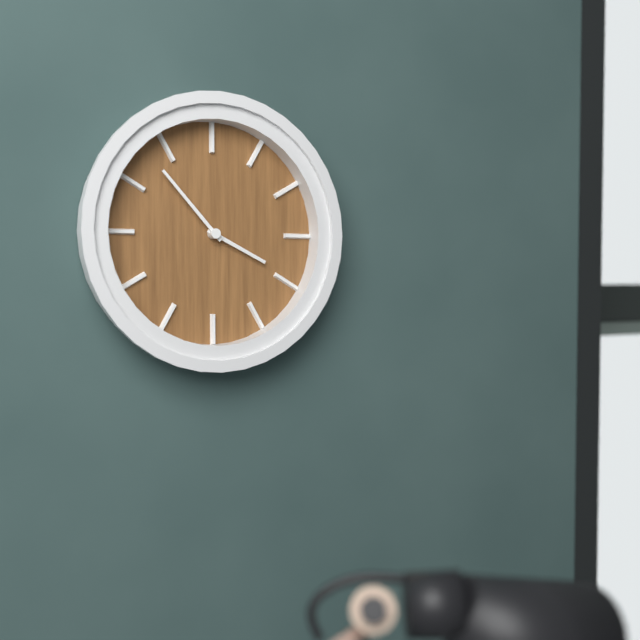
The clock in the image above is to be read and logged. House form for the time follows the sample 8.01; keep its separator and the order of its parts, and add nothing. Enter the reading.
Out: 3.53
